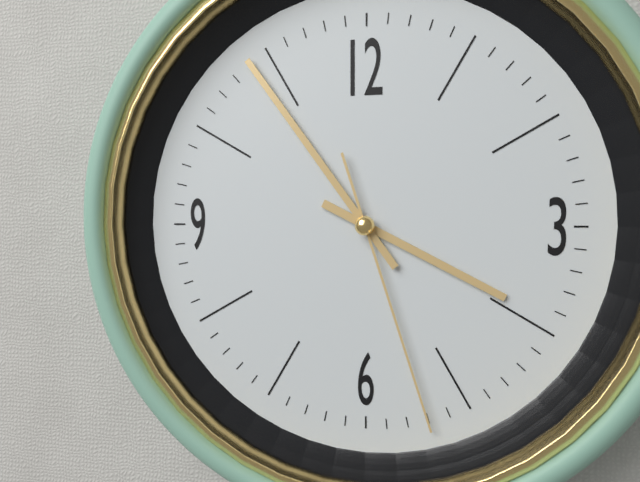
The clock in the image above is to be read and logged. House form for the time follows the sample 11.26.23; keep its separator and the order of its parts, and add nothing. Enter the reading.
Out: 3.54.27
